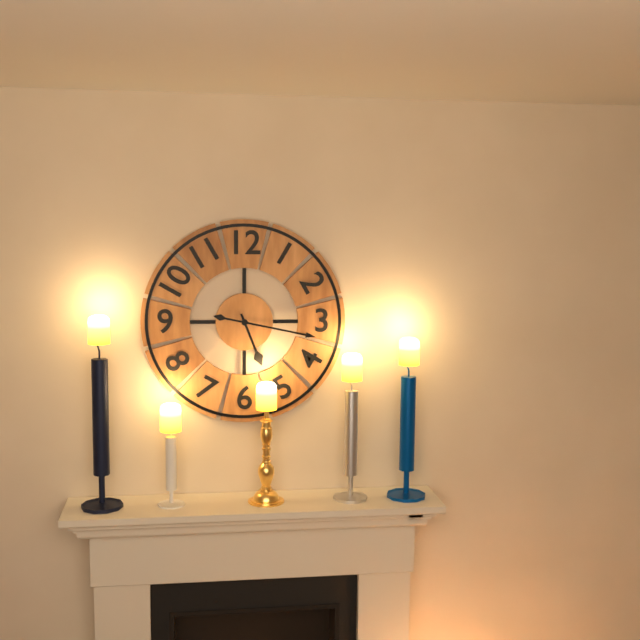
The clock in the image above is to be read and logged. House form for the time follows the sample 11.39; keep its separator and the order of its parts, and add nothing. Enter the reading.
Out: 5.17
